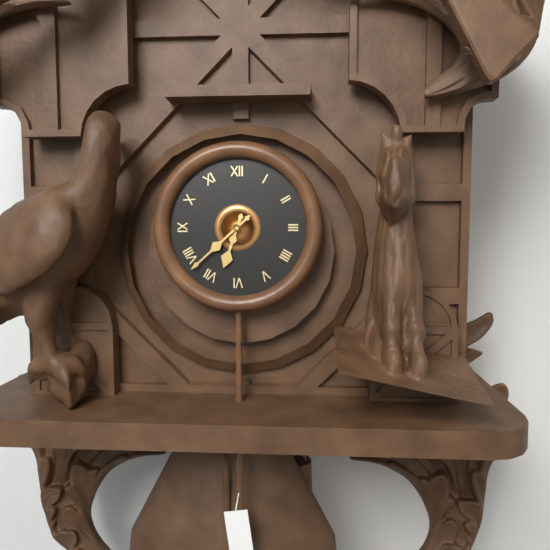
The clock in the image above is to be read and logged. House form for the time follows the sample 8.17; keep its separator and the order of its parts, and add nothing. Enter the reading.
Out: 6.38
